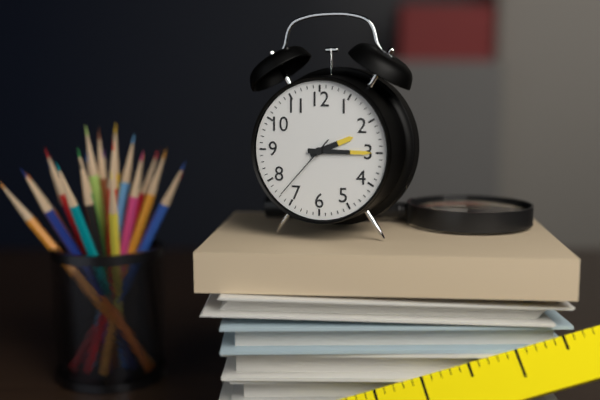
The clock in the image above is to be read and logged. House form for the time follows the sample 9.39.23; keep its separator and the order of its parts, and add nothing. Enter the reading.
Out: 2.15.37
